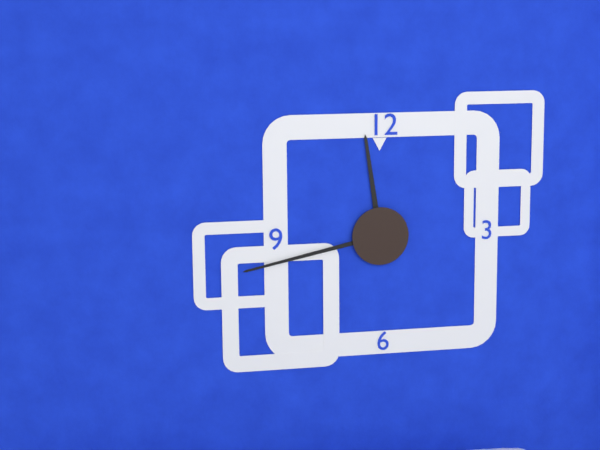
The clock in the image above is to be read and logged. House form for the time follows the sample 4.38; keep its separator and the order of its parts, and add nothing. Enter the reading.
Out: 11.43
